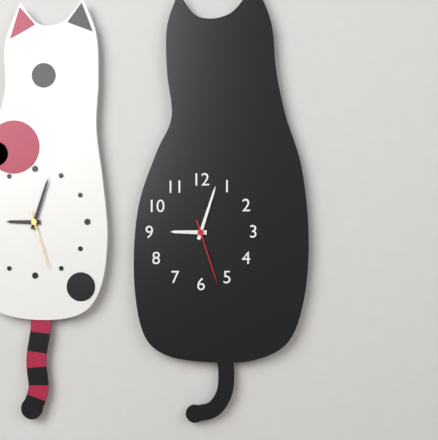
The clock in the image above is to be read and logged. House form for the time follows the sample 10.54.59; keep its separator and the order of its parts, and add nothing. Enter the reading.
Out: 9.03.27
